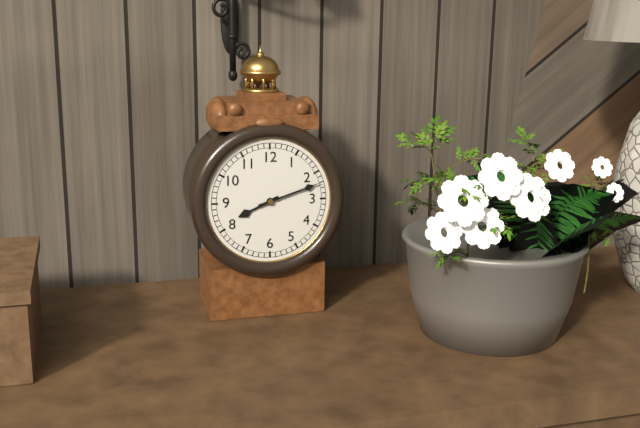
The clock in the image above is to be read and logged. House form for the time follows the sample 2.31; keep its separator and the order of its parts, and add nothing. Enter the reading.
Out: 8.12
